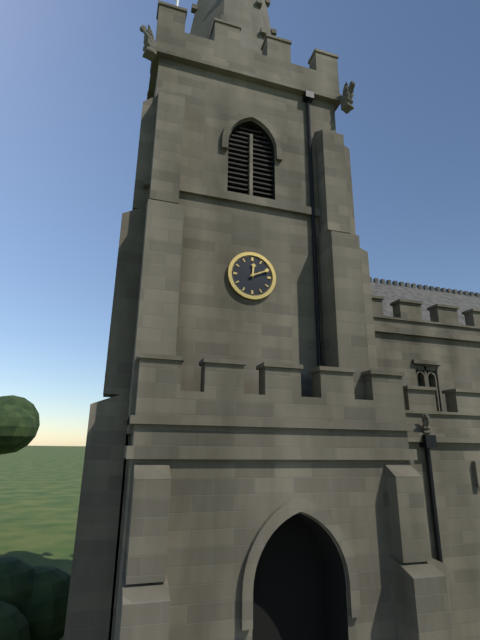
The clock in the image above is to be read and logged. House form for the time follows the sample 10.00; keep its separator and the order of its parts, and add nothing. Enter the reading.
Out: 12.11
